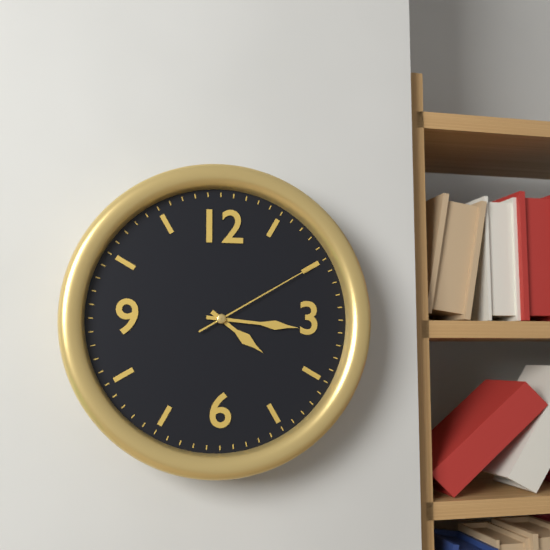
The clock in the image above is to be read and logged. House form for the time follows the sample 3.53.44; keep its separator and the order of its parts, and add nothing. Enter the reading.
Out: 4.16.10
